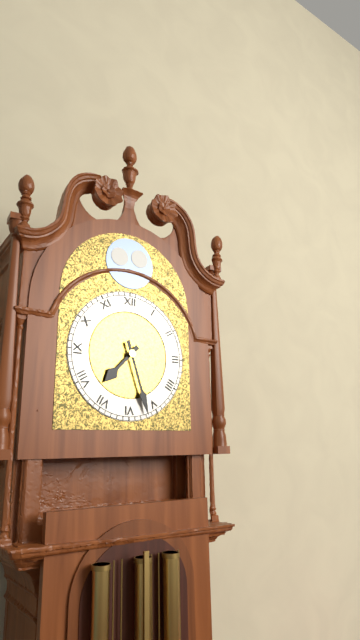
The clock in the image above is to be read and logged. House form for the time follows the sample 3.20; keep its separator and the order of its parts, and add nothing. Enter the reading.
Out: 7.27
